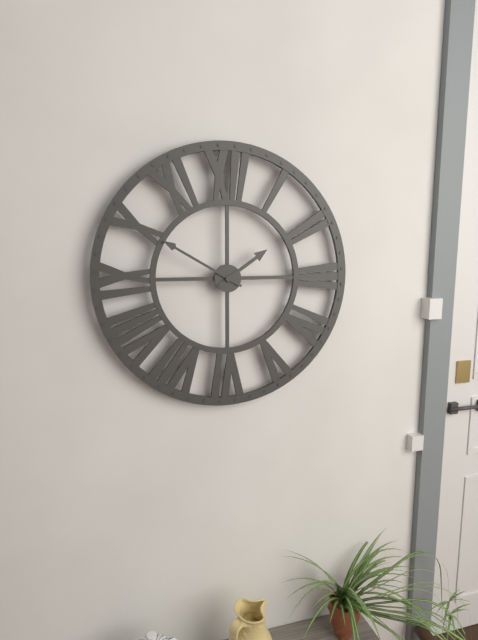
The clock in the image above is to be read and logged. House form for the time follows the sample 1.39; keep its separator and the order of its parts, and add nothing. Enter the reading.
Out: 1.50
